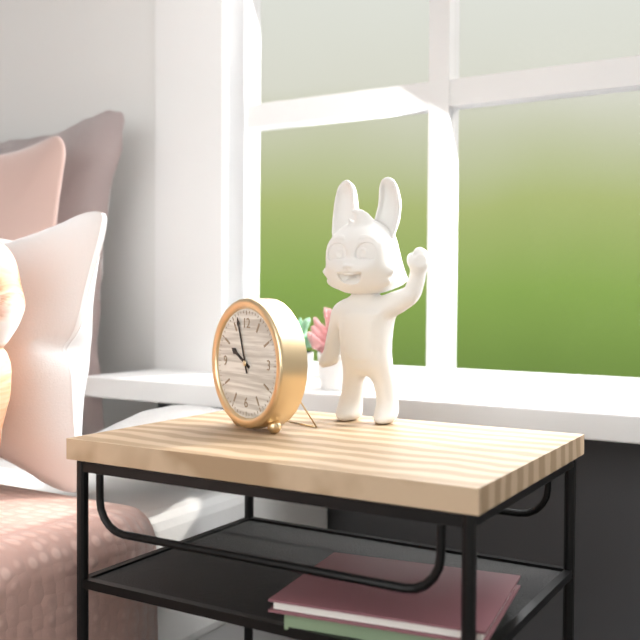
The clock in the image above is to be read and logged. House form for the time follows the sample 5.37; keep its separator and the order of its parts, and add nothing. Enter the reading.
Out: 9.57
